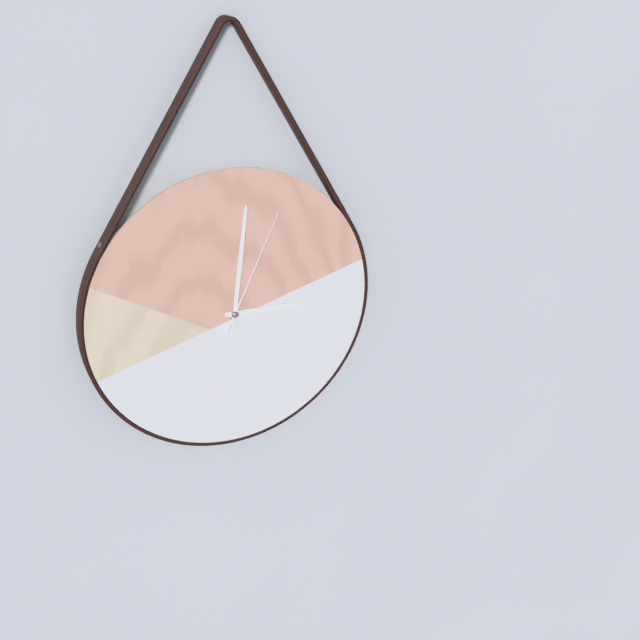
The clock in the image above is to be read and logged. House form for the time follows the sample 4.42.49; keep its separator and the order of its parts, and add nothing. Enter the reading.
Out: 3.01.04
